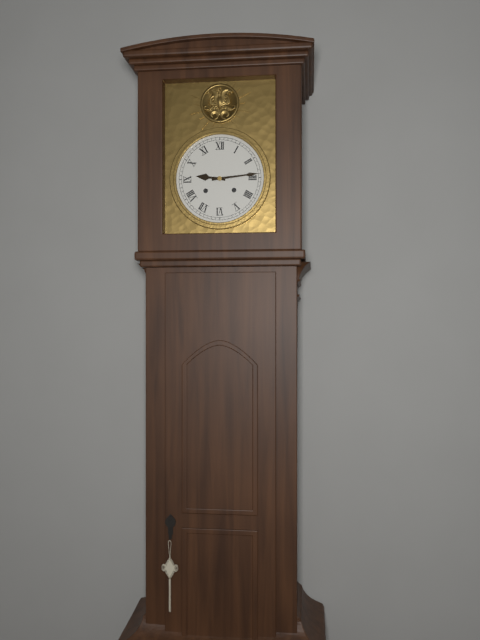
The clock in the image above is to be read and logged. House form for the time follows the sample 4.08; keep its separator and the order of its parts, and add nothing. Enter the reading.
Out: 9.14
